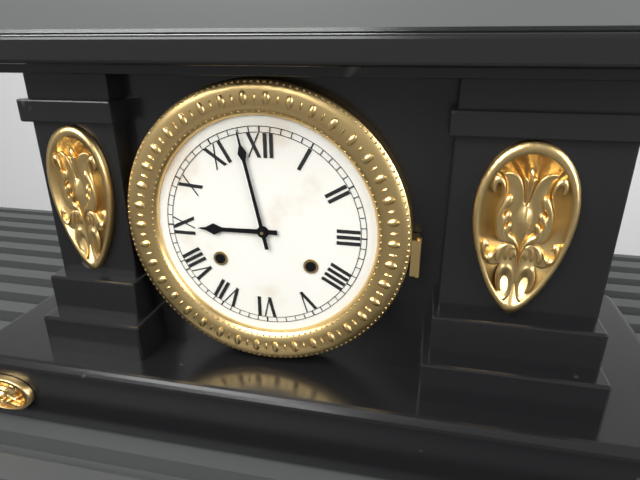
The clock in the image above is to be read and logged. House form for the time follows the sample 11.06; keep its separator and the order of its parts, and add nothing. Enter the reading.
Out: 8.58
